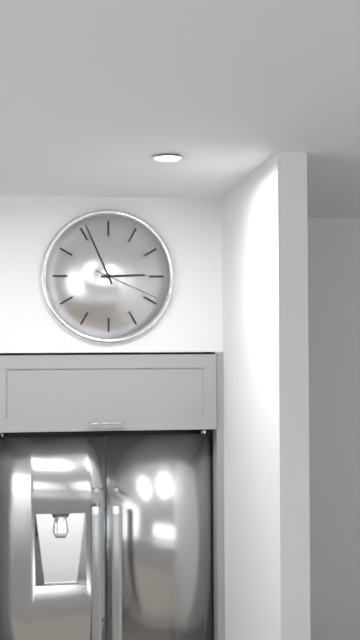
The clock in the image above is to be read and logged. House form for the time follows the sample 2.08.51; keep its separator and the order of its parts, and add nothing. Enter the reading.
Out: 2.56.19
